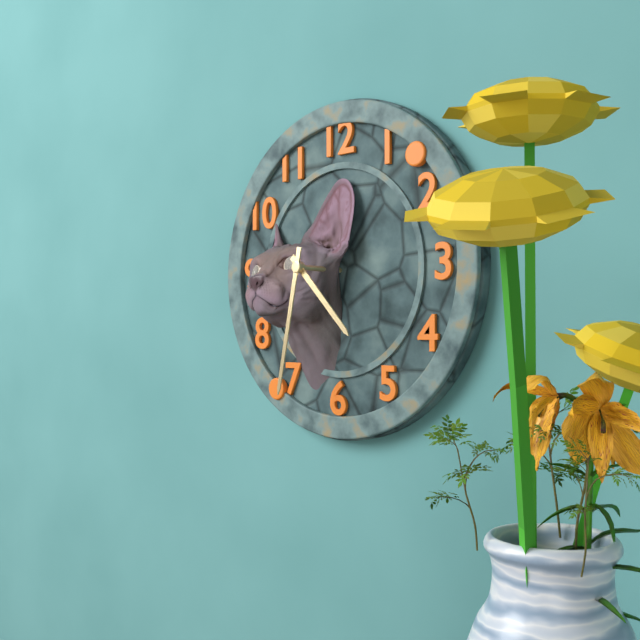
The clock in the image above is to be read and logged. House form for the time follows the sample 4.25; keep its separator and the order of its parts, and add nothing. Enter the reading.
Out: 4.32
